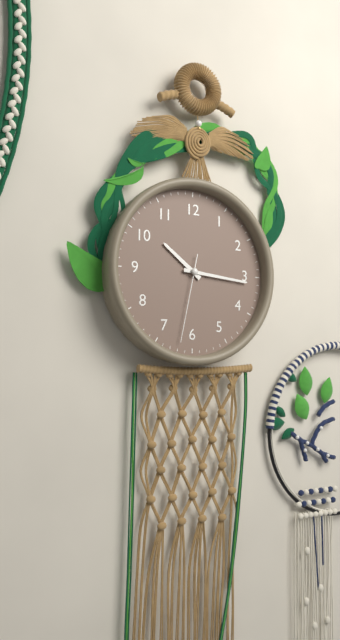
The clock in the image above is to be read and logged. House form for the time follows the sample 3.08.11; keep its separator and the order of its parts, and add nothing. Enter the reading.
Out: 10.16.32
